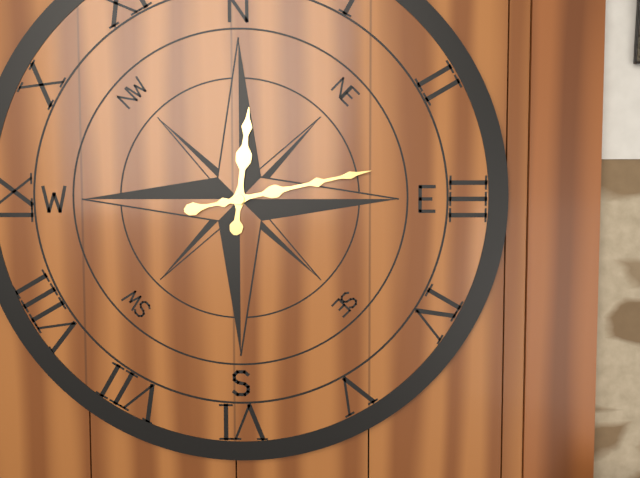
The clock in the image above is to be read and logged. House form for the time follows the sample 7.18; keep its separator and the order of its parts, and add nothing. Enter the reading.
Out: 12.13
